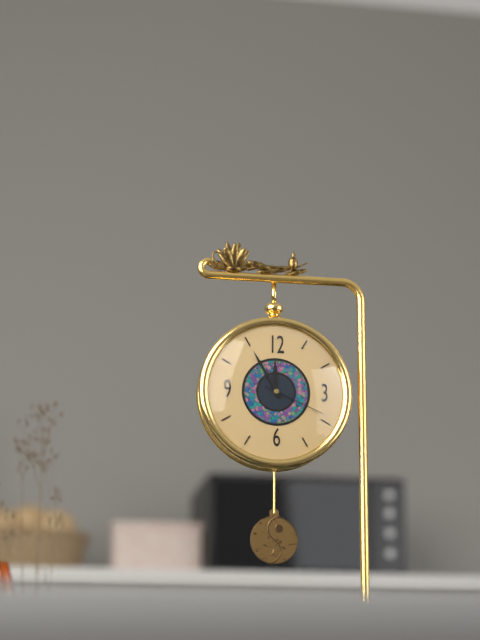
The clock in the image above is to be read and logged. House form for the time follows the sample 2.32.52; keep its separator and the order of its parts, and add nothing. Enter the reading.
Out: 11.55.19
